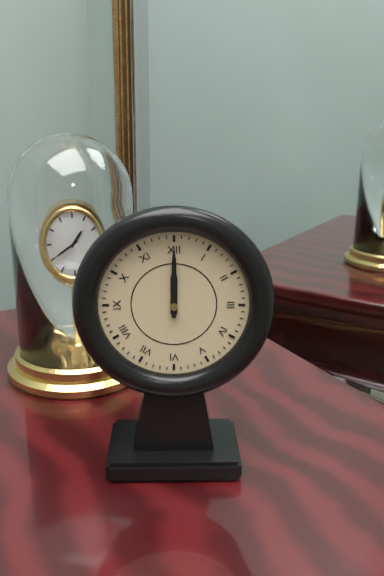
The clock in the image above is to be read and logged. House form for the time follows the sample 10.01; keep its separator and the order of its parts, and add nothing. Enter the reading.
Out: 12.00
